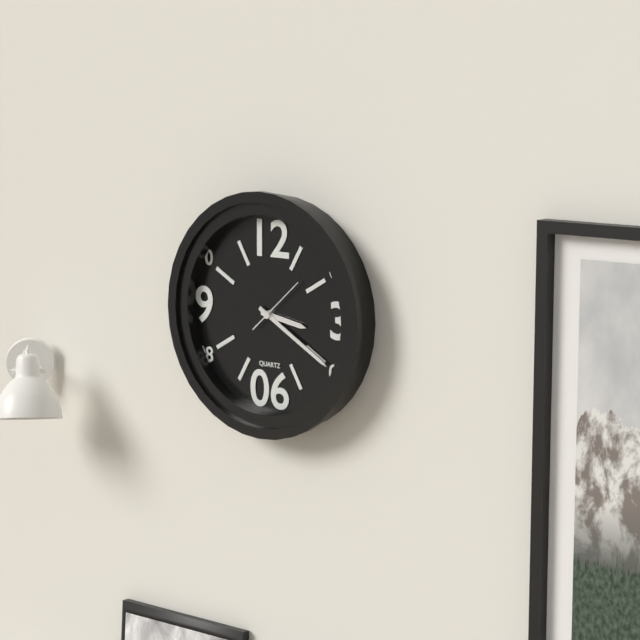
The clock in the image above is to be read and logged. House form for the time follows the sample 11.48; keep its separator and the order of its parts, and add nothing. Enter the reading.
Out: 3.20
